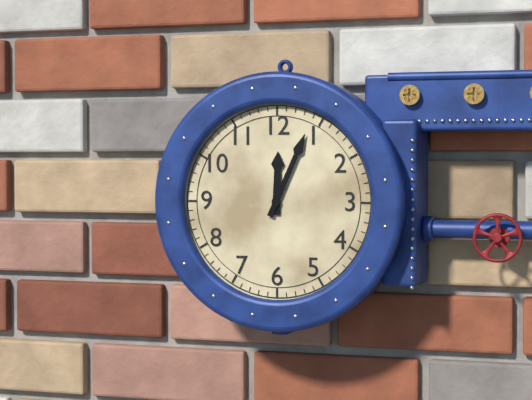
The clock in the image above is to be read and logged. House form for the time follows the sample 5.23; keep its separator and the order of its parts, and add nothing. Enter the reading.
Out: 12.04
